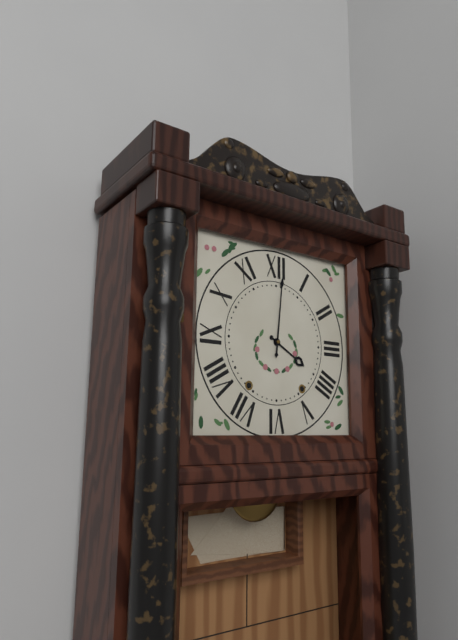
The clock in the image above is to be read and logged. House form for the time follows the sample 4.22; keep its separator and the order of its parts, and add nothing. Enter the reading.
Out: 4.01
